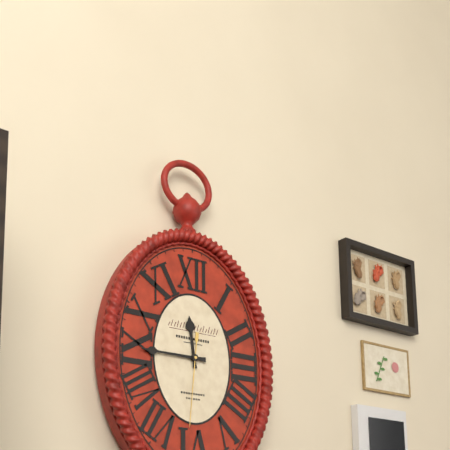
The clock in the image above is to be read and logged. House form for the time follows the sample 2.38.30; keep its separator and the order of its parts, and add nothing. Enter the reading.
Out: 11.45.31
